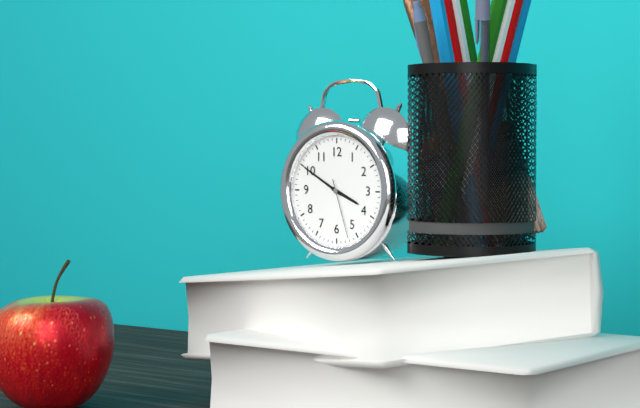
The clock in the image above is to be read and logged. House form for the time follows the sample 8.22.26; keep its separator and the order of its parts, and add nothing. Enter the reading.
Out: 3.50.27
